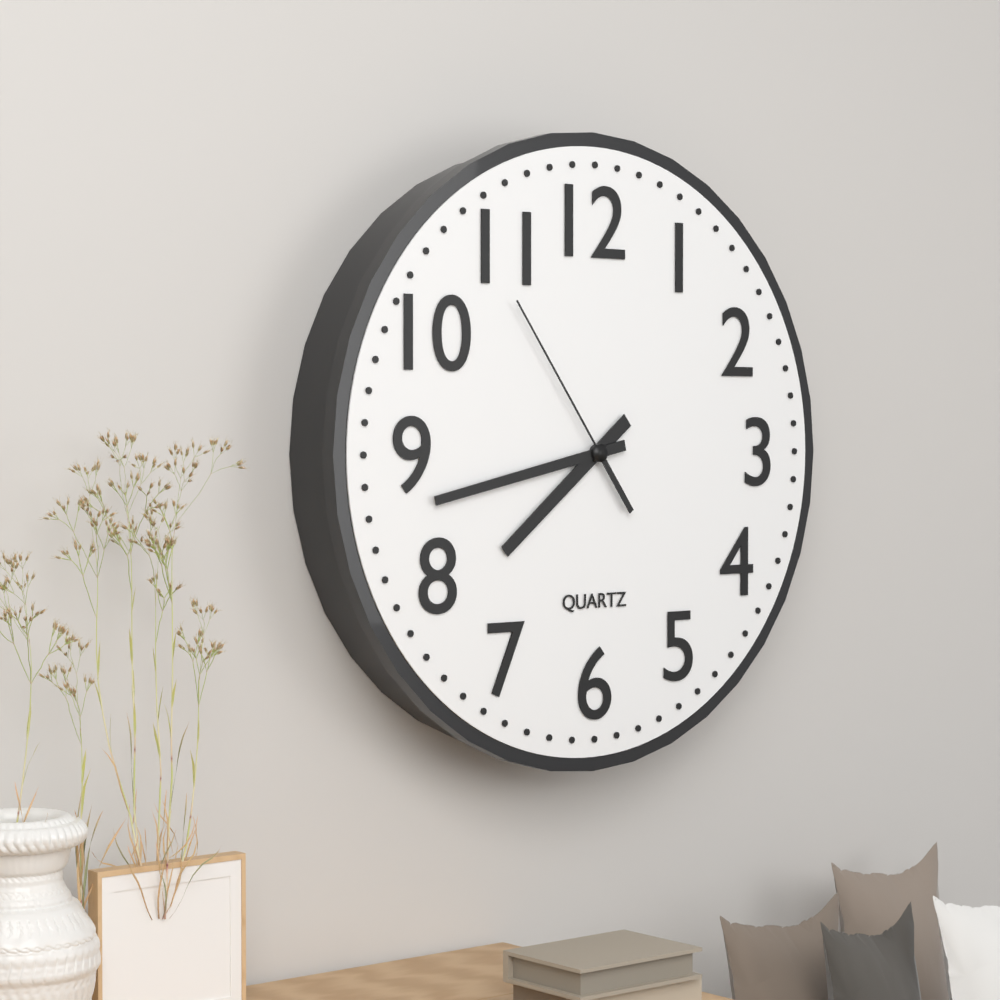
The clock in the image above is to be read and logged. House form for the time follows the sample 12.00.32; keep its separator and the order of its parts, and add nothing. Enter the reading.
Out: 7.43.54
